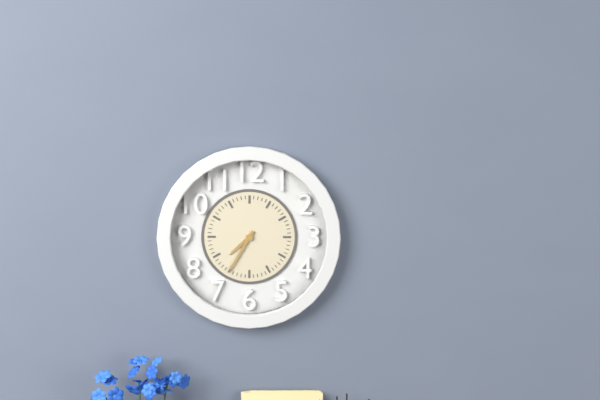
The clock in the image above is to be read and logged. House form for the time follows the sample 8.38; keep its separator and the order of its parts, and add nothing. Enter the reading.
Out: 7.35
